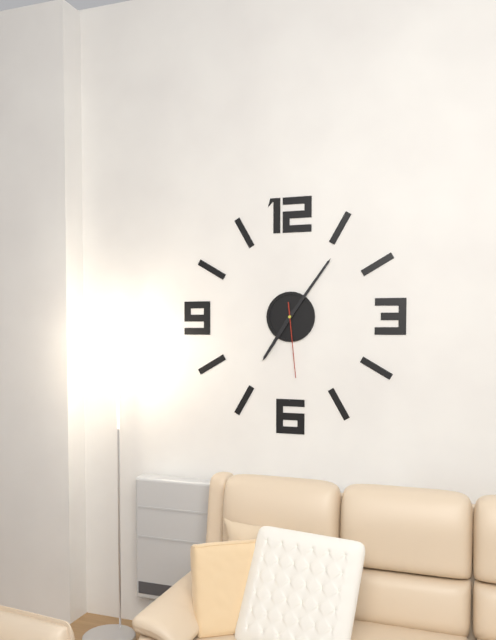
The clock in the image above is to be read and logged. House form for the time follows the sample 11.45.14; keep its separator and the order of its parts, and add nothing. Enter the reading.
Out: 7.06.29
